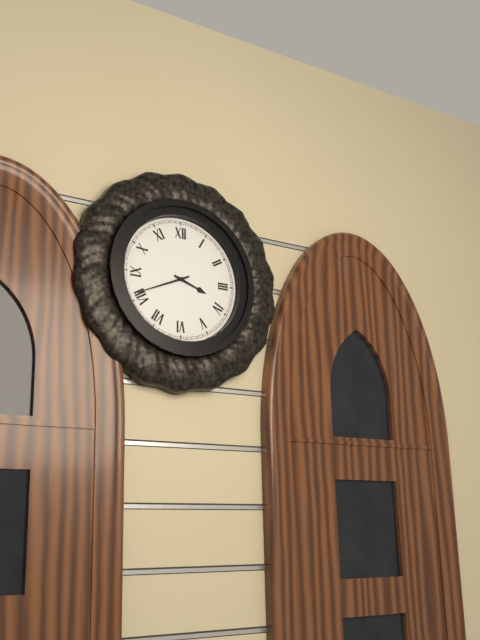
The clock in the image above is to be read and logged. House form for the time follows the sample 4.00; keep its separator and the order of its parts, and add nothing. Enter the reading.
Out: 3.41
